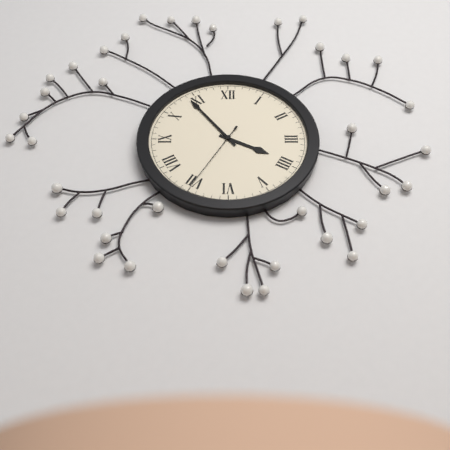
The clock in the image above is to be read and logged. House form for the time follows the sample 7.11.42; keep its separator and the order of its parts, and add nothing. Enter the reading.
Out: 3.54.35
